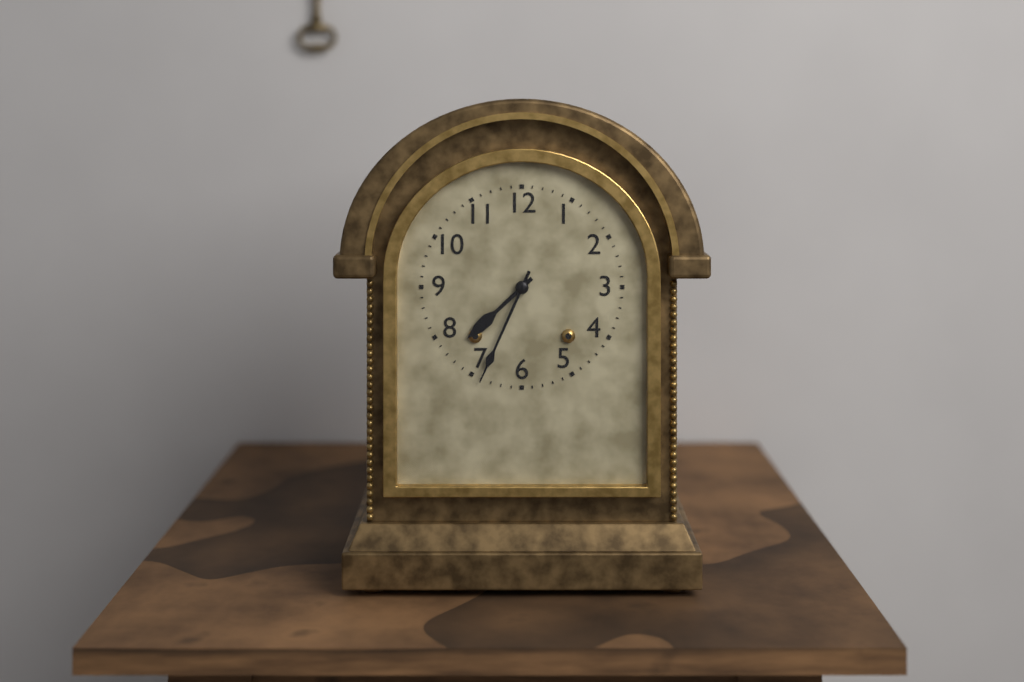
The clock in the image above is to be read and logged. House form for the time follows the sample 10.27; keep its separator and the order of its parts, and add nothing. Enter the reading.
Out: 7.34
